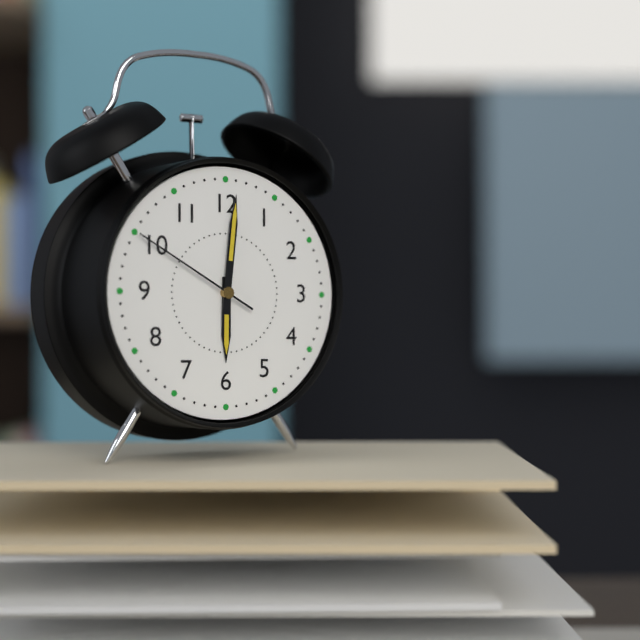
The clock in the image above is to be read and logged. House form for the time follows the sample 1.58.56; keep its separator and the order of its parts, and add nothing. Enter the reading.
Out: 6.01.50
